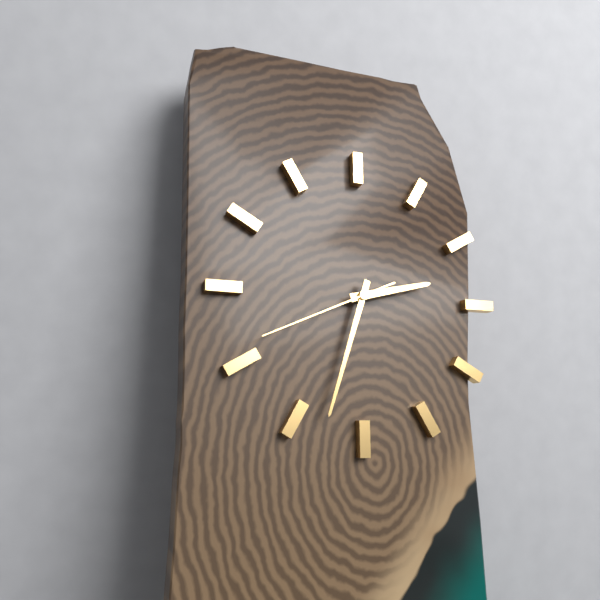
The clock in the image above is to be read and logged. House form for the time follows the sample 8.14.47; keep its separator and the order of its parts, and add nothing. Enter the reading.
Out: 2.33.41
